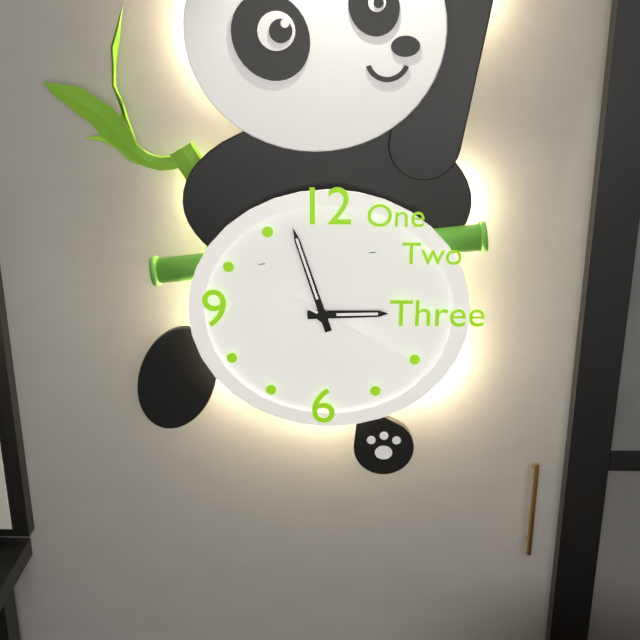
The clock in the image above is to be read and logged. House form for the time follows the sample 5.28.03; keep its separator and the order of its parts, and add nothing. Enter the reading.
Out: 2.57.20
